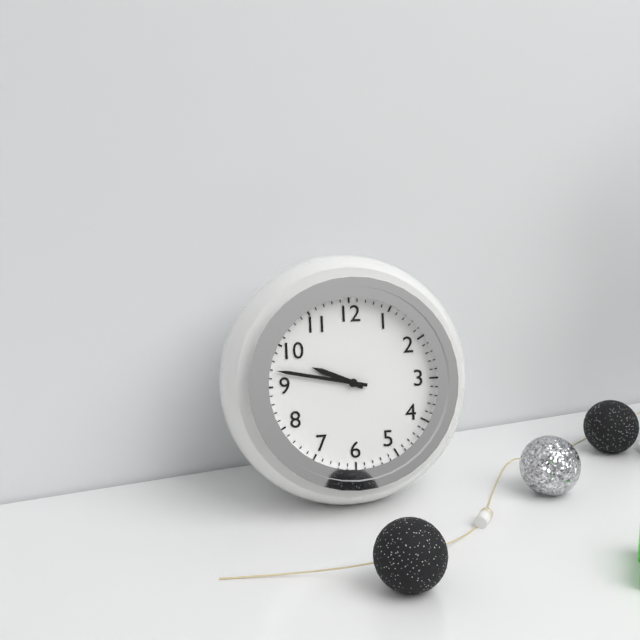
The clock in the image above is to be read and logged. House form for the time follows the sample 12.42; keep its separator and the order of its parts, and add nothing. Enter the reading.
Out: 9.47
